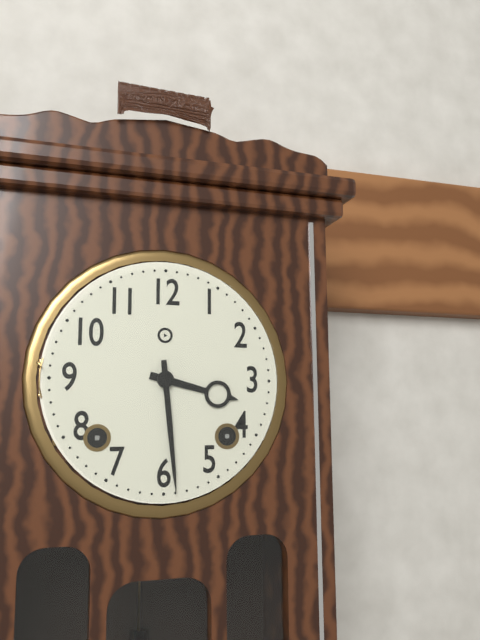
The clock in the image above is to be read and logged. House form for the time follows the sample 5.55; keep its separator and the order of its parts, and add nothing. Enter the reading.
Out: 3.29
